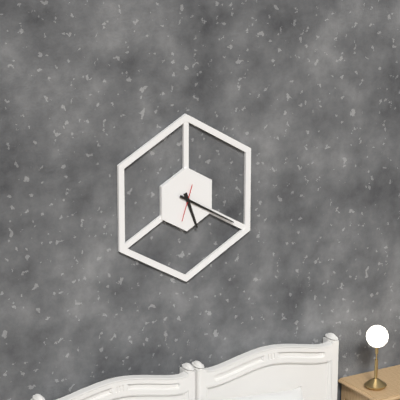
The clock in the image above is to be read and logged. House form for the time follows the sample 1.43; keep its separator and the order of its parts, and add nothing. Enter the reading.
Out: 5.20
